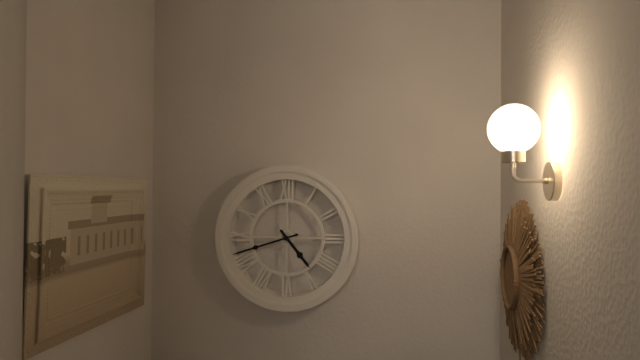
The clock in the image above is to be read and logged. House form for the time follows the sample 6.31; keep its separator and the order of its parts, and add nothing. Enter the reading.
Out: 4.42
